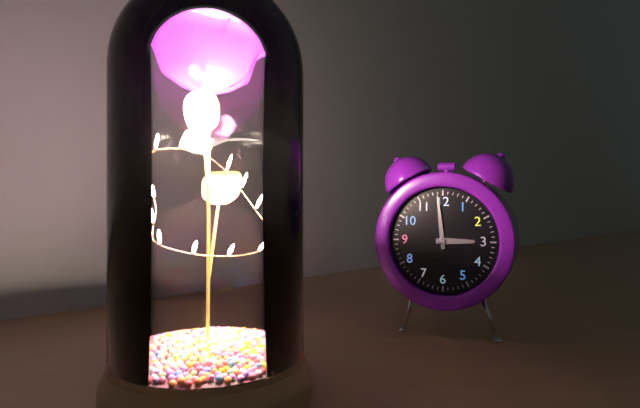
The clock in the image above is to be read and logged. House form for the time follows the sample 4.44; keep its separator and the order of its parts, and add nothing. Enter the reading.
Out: 2.59
